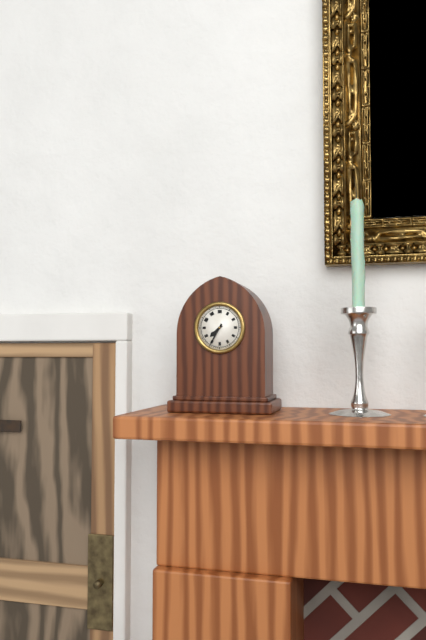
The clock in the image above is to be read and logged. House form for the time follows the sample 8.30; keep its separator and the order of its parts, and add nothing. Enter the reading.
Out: 7.35
